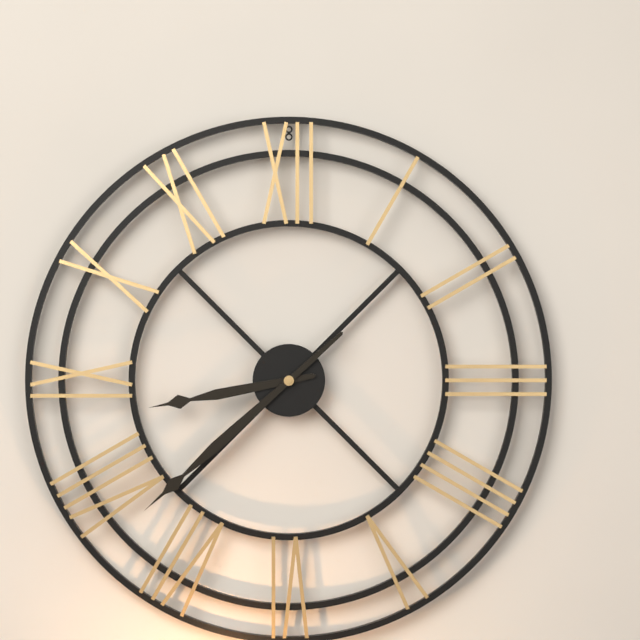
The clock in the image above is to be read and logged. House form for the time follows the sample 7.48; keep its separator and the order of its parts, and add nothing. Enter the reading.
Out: 8.38
